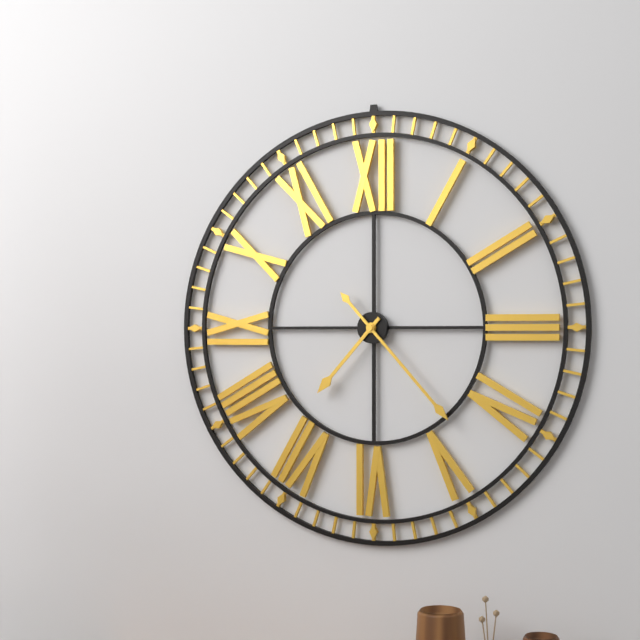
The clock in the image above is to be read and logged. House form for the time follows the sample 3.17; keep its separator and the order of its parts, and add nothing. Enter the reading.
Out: 7.23
